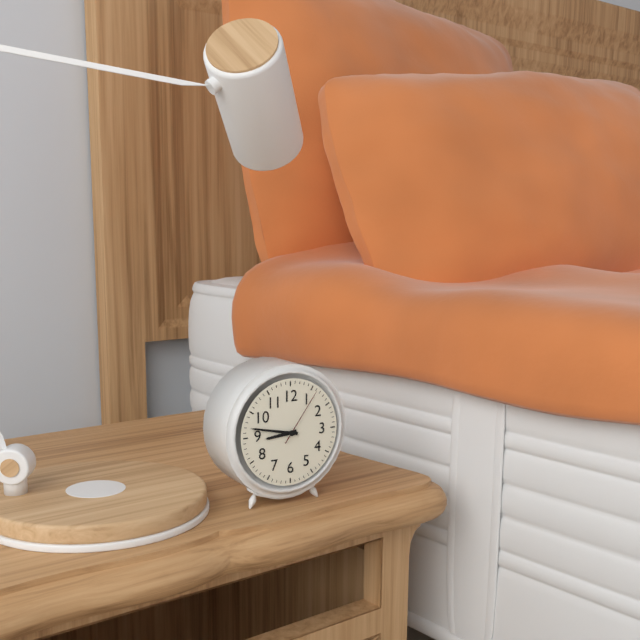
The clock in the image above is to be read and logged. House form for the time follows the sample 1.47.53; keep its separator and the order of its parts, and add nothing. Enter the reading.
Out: 8.47.06
